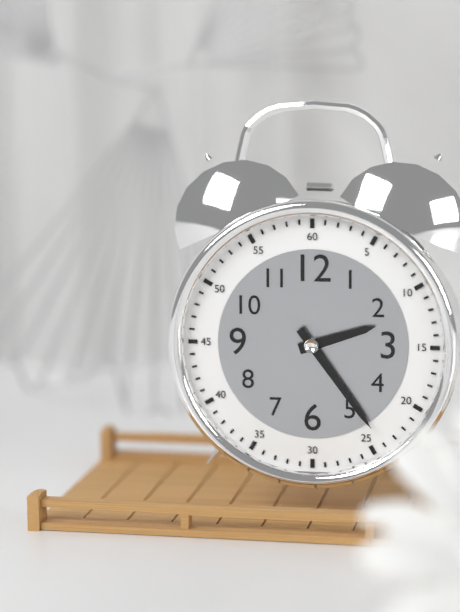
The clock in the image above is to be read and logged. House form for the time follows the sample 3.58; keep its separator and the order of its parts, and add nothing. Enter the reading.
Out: 2.24
